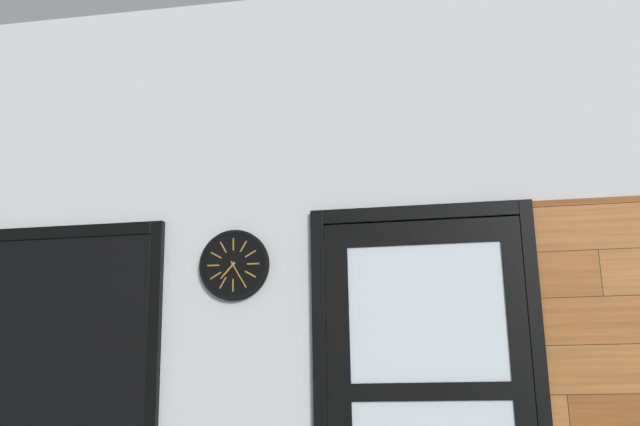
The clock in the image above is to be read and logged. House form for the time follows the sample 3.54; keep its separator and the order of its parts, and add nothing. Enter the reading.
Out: 7.25
